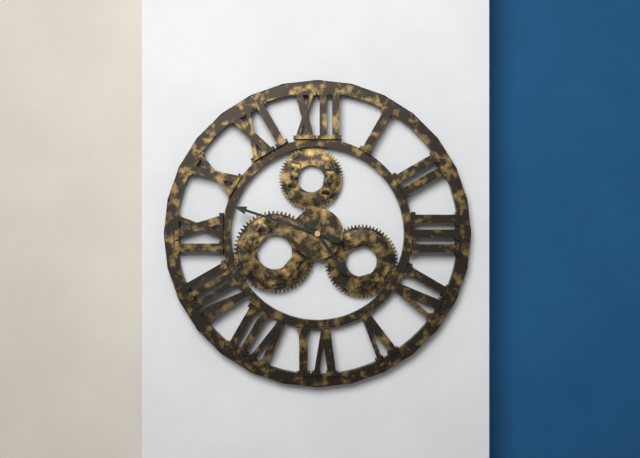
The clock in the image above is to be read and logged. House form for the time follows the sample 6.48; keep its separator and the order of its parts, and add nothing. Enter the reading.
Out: 4.48
